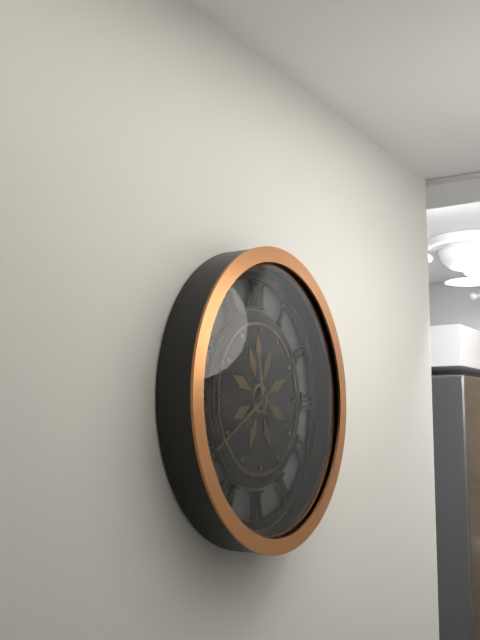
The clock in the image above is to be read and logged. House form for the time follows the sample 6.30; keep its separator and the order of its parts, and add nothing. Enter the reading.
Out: 11.40
